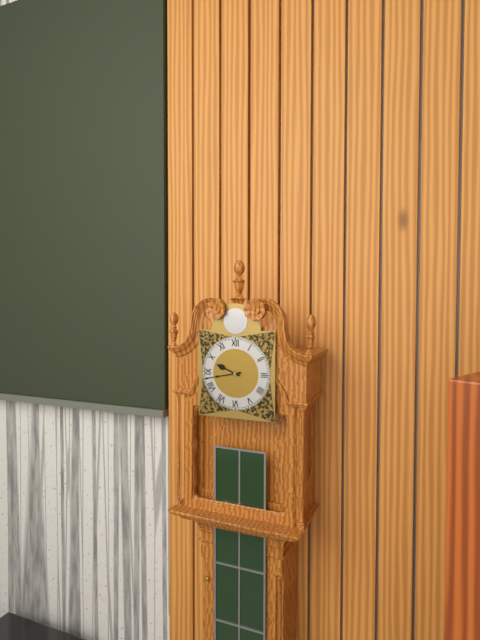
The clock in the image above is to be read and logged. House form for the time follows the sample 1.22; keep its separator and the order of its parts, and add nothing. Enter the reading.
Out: 9.43
